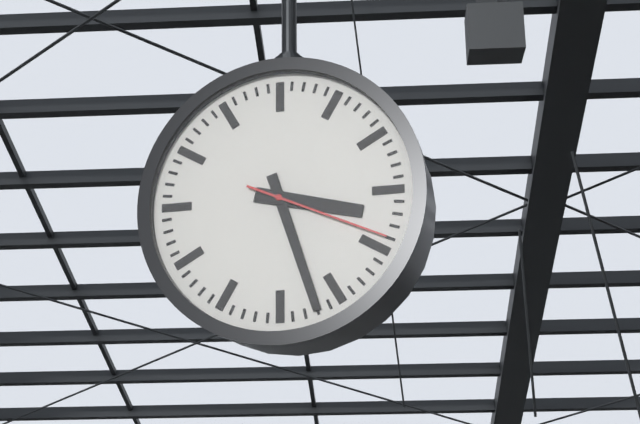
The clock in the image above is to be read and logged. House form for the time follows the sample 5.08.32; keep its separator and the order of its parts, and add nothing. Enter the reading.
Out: 3.27.19
